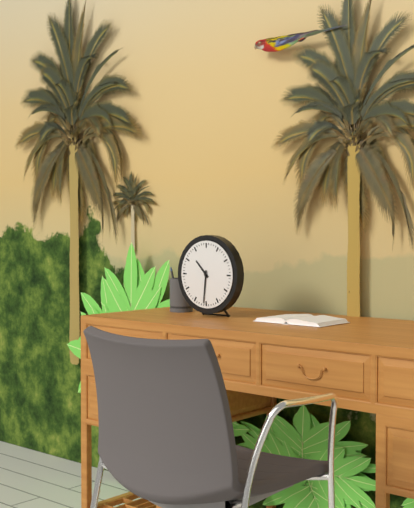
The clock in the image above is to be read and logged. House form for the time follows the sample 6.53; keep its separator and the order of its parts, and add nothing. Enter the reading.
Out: 10.31
